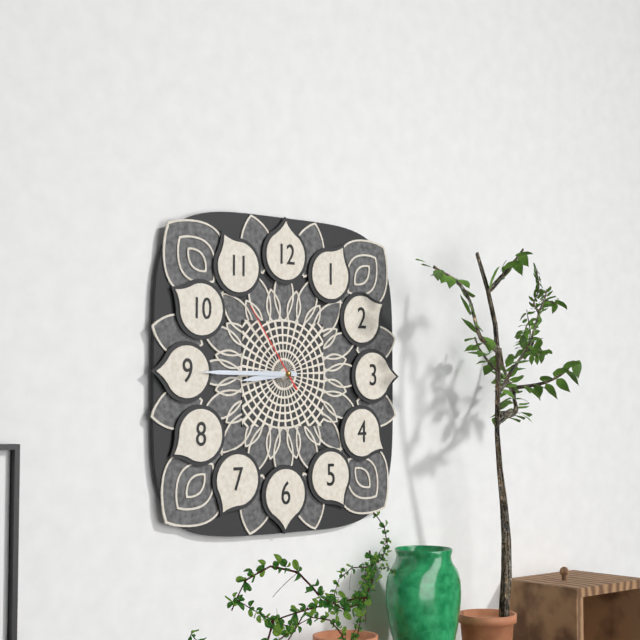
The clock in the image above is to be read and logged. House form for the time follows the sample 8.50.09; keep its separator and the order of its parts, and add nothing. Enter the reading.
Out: 8.45.54
